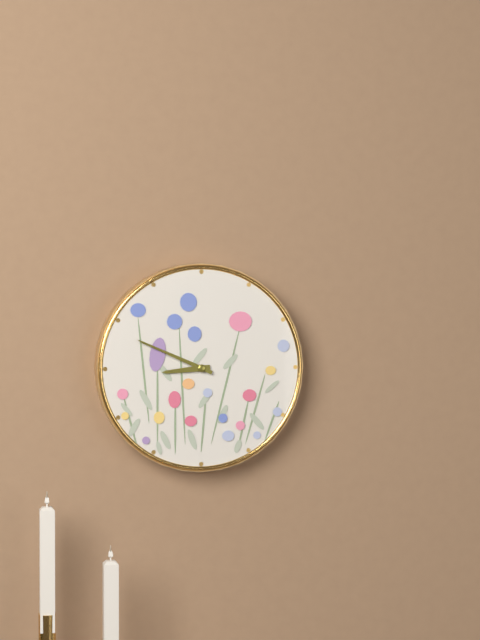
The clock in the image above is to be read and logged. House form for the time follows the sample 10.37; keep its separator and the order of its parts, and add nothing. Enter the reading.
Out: 8.49
